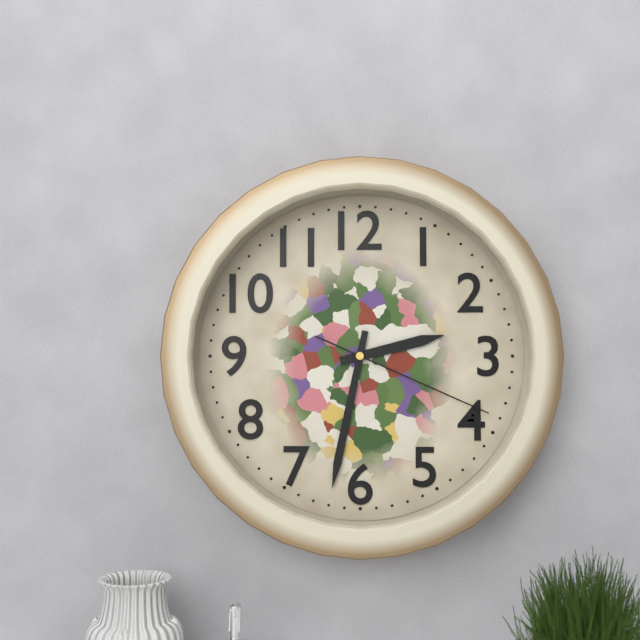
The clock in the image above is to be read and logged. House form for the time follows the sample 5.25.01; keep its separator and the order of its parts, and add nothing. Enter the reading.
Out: 2.32.19
